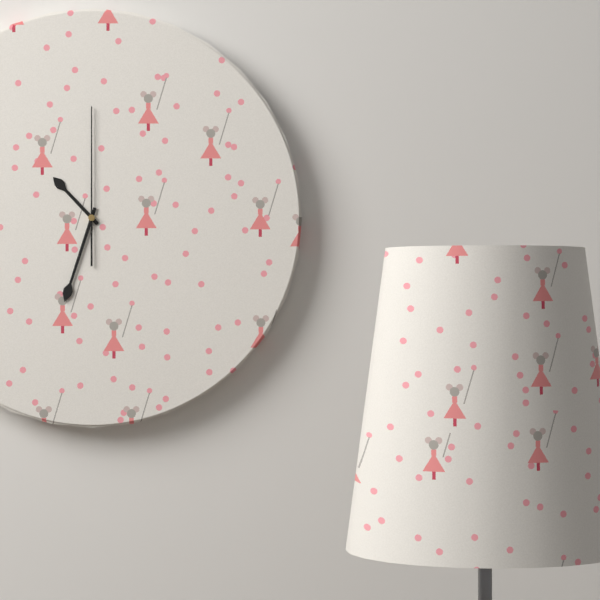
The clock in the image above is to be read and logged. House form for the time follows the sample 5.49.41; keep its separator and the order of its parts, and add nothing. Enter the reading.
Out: 10.33.00
